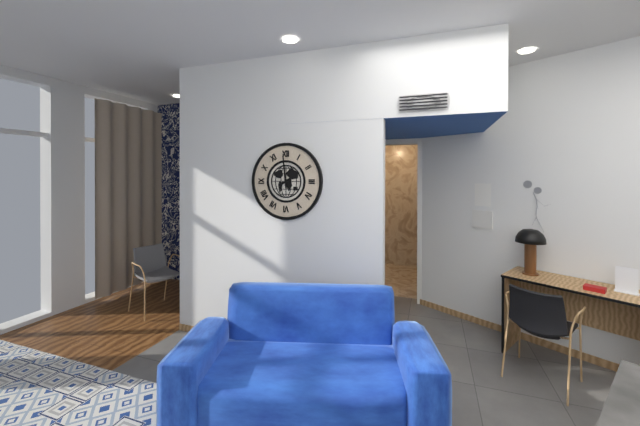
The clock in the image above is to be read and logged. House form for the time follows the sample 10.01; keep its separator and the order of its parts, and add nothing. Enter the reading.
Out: 1.59
